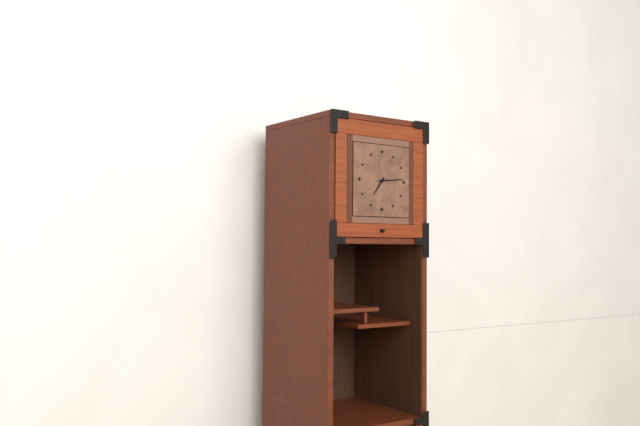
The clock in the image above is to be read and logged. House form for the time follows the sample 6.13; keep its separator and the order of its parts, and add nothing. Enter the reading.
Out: 7.14
